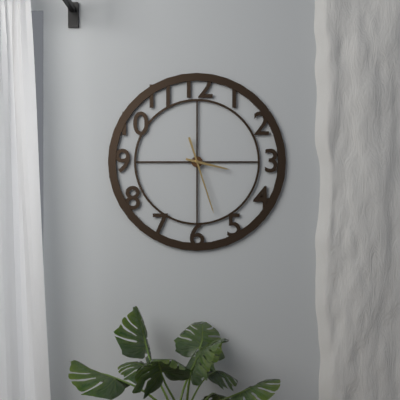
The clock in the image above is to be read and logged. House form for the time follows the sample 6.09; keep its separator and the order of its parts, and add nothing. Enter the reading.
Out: 3.27
